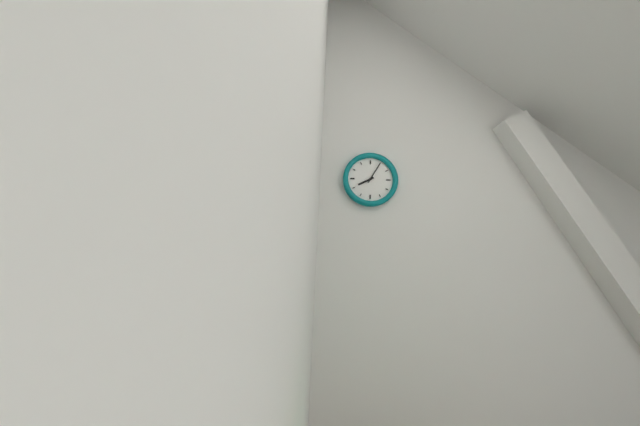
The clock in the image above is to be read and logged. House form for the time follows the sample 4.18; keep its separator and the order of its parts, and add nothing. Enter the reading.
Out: 8.05
